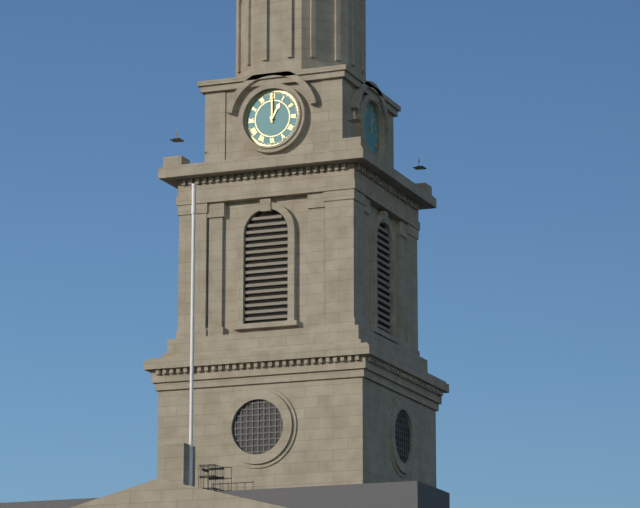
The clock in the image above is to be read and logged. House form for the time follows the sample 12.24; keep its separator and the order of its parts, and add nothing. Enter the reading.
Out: 1.00
